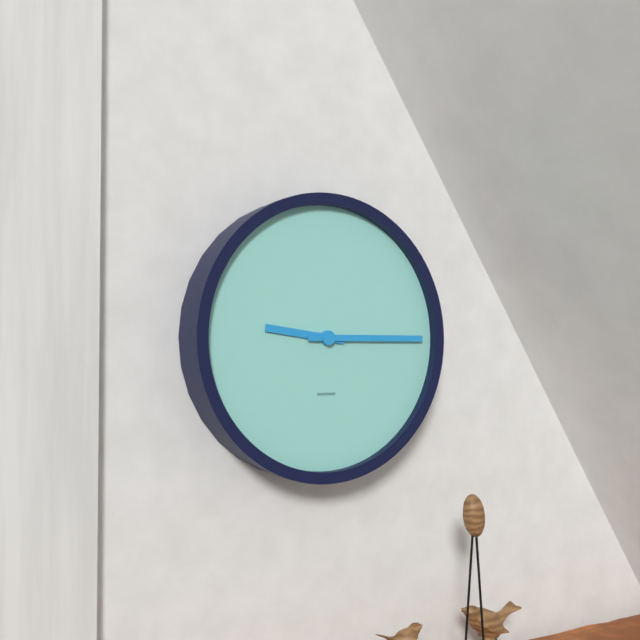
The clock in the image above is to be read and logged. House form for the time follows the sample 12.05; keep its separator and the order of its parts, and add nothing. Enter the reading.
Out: 9.15
